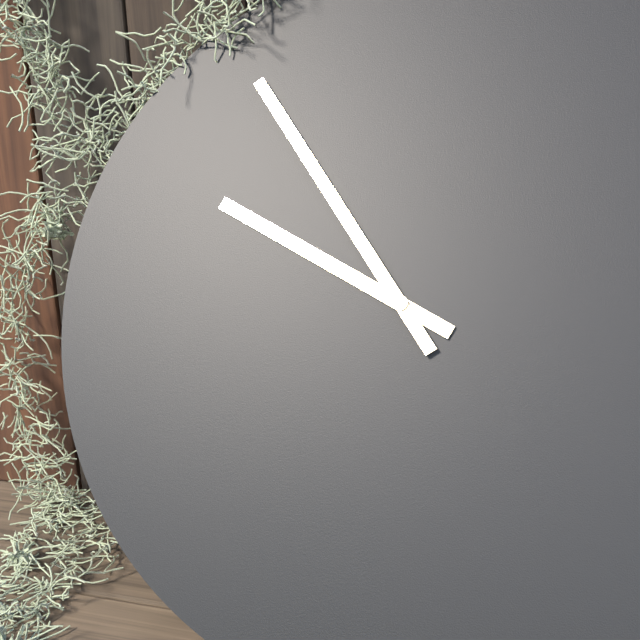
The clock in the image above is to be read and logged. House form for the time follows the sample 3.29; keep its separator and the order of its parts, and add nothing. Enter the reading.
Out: 9.54
